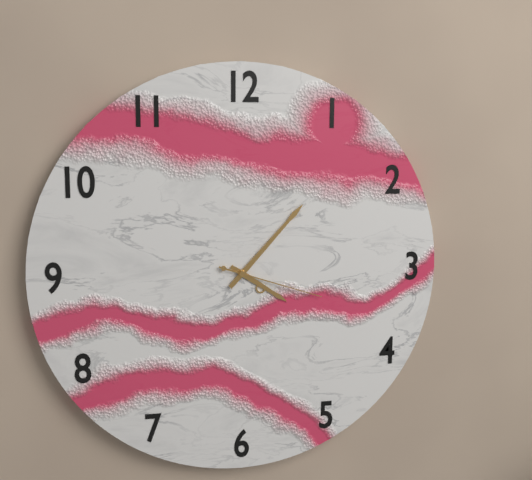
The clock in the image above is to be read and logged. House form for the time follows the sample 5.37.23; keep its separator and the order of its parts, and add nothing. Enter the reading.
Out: 4.07.18
